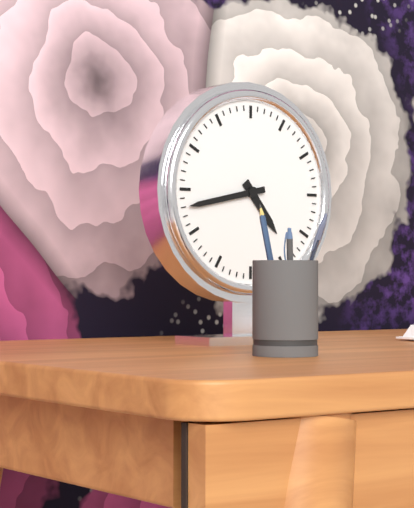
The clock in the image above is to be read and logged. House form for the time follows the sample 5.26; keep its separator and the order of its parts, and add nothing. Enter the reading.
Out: 4.43
